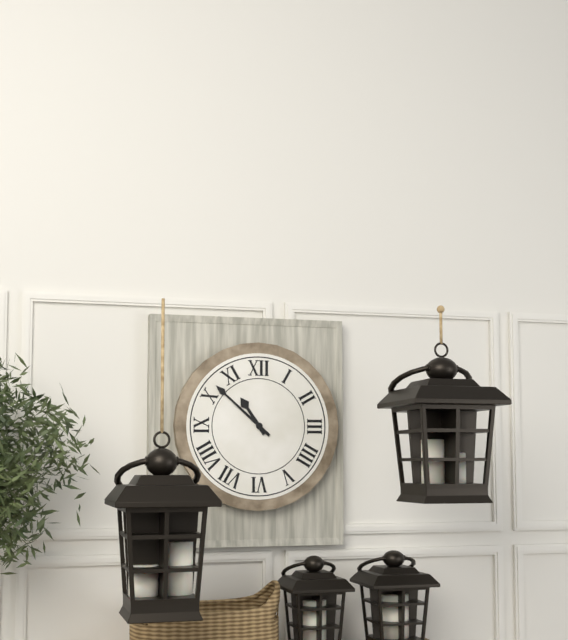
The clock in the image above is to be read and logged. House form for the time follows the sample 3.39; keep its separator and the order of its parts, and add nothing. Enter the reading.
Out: 10.52
